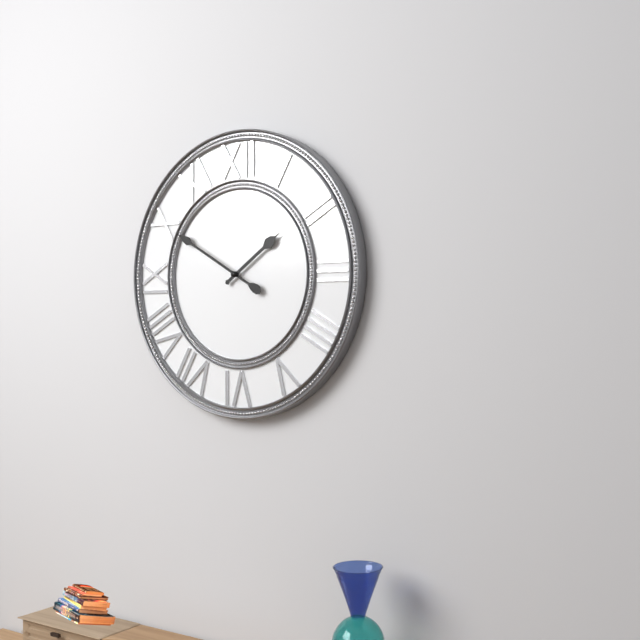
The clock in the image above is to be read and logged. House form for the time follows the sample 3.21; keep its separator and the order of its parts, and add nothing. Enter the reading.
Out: 1.50
